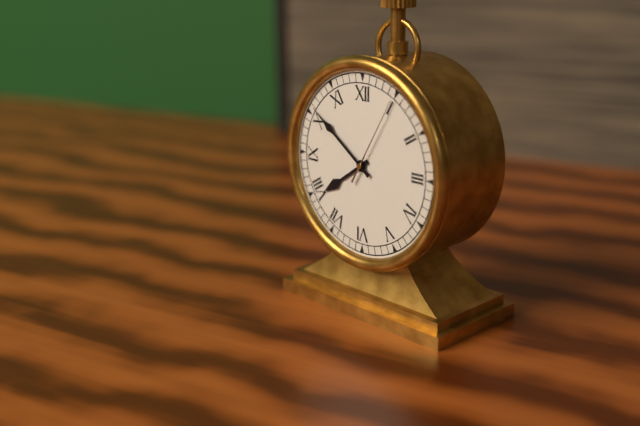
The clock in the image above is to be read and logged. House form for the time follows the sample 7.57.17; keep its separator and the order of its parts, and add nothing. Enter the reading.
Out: 7.51.05
